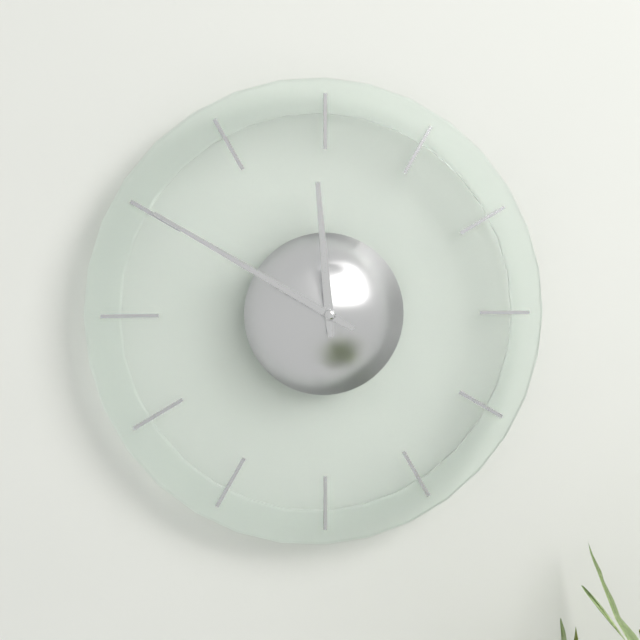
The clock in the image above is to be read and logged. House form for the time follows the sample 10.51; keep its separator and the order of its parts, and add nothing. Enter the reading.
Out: 11.50
